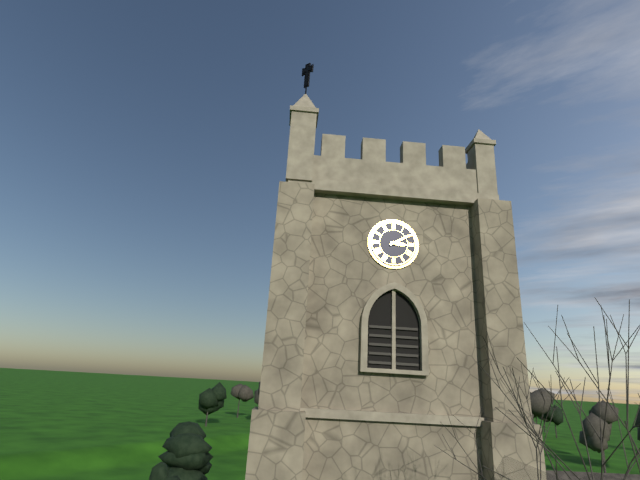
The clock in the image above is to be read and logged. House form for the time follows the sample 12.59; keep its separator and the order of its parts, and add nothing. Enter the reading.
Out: 3.10
